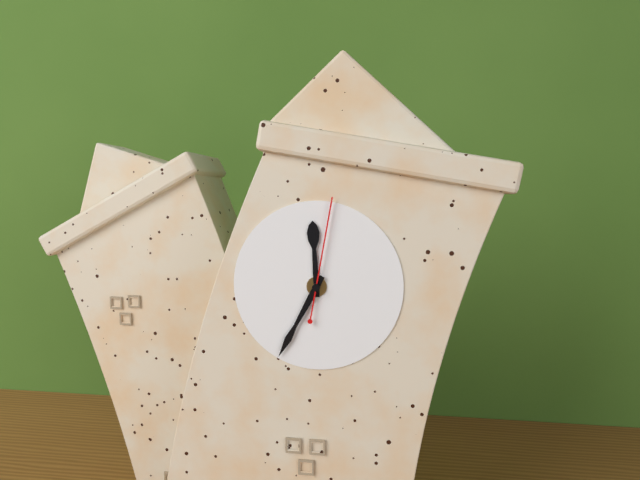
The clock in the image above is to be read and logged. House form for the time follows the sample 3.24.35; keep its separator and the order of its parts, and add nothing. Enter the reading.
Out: 11.33.00
